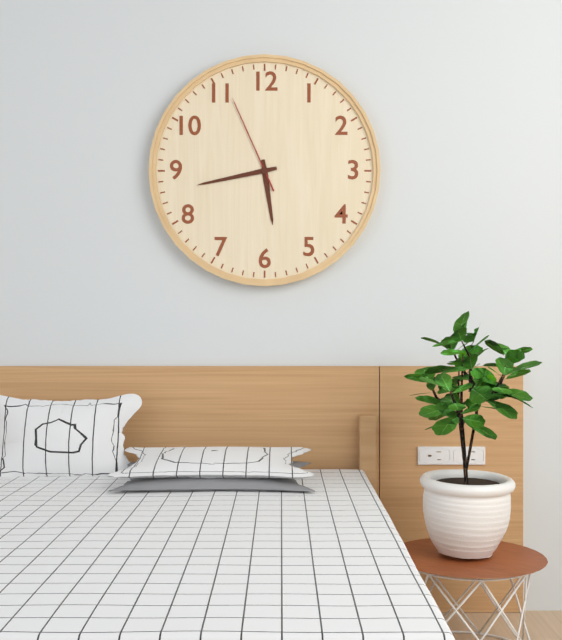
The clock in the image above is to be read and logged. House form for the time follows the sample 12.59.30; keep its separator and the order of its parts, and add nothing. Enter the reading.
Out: 5.43.56
